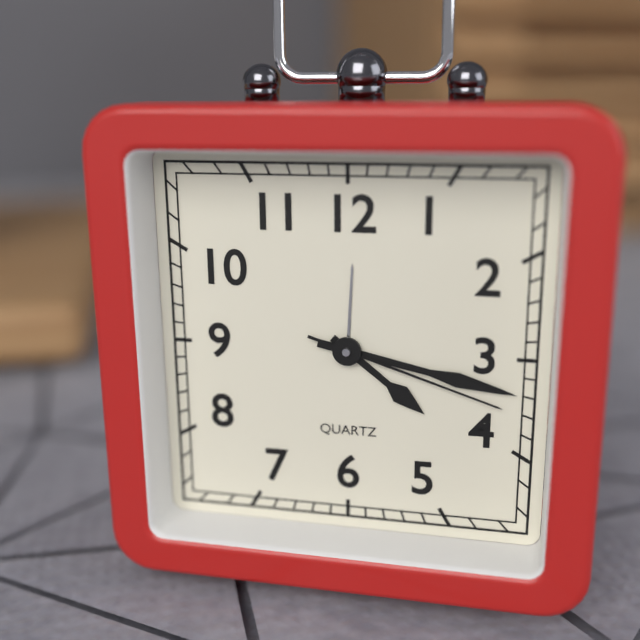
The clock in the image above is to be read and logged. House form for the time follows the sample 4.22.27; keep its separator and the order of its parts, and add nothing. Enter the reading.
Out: 4.17.18
